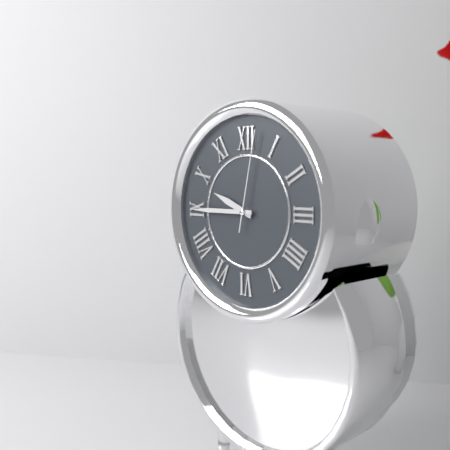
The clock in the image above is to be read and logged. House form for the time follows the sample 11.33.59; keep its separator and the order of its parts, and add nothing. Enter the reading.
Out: 9.45.02
